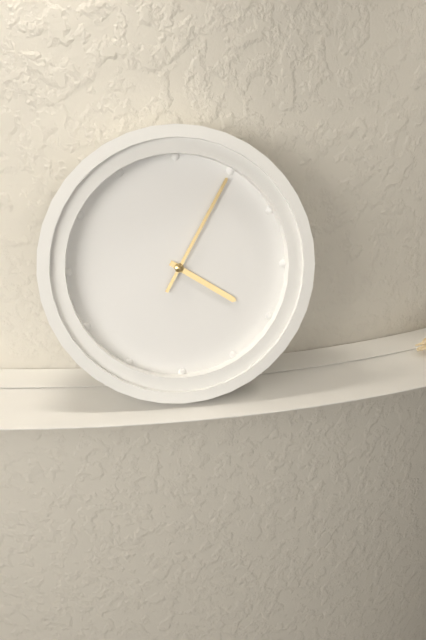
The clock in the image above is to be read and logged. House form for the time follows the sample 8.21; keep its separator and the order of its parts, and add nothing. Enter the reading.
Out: 4.05
